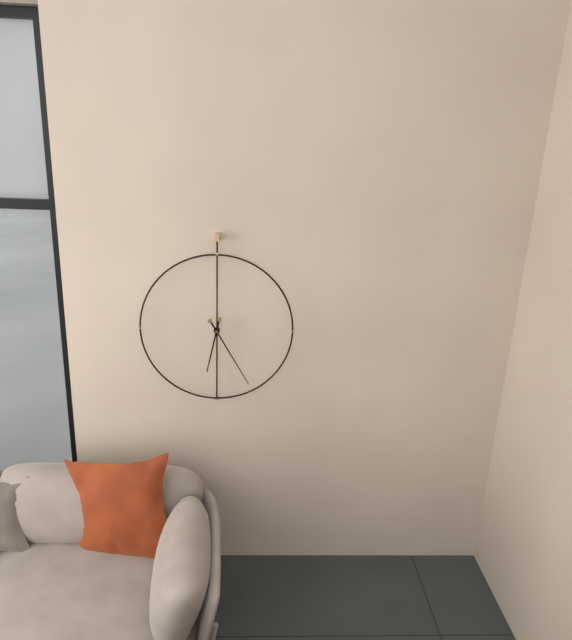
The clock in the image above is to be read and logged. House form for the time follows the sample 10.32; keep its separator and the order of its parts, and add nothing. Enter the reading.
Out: 6.25
